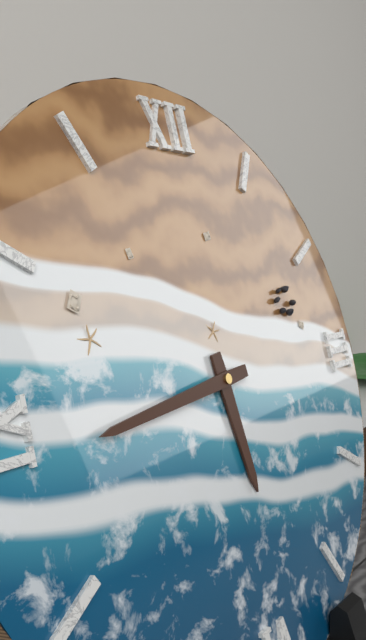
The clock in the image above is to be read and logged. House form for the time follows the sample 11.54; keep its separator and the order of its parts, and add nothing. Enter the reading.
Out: 5.44
